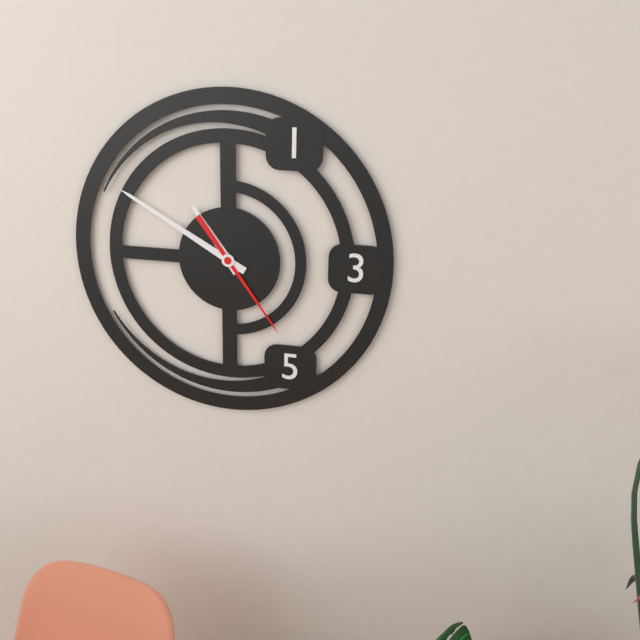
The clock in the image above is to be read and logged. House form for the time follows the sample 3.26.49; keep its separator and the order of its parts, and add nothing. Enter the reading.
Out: 10.50.24
